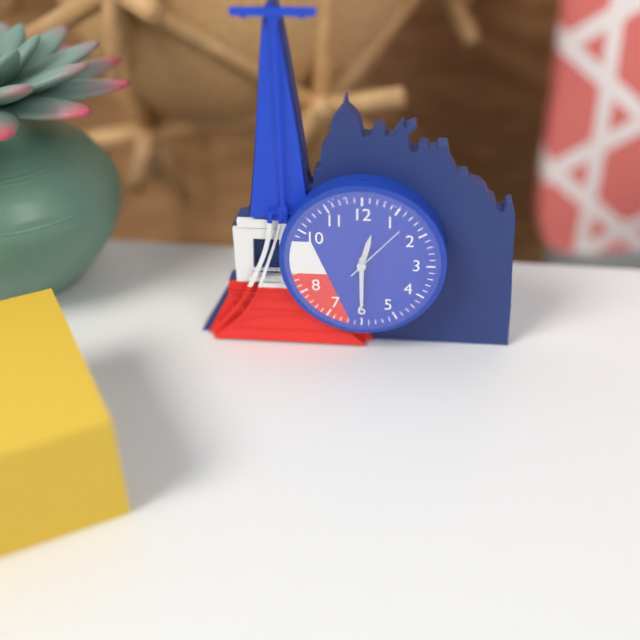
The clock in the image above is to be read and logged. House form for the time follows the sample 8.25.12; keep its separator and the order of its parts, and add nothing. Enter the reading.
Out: 12.30.07
